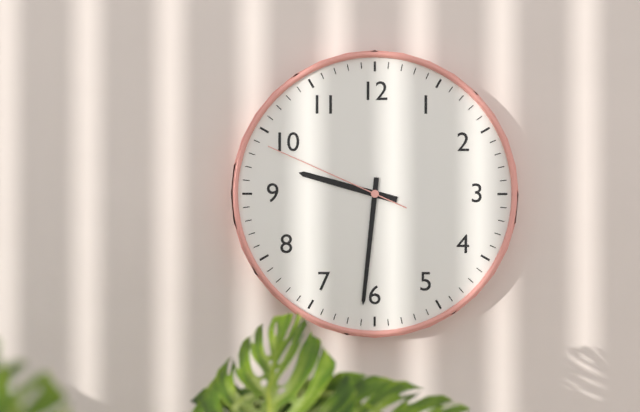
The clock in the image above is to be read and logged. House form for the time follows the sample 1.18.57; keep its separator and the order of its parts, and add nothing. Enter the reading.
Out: 9.31.49
